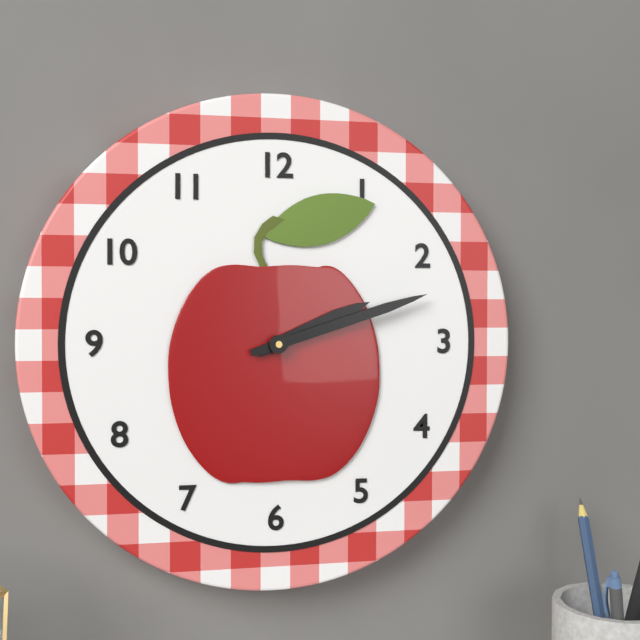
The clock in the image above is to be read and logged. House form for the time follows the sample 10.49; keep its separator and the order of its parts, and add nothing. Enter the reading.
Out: 2.12
